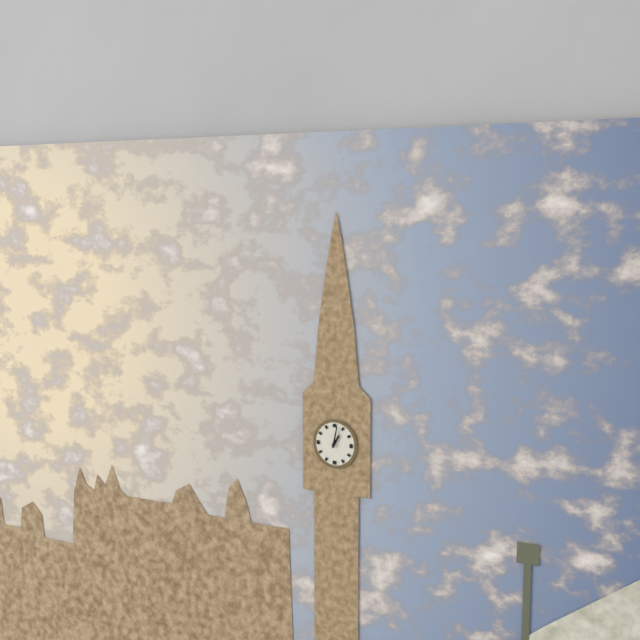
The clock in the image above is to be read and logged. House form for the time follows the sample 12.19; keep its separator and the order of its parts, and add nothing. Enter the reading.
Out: 1.02
